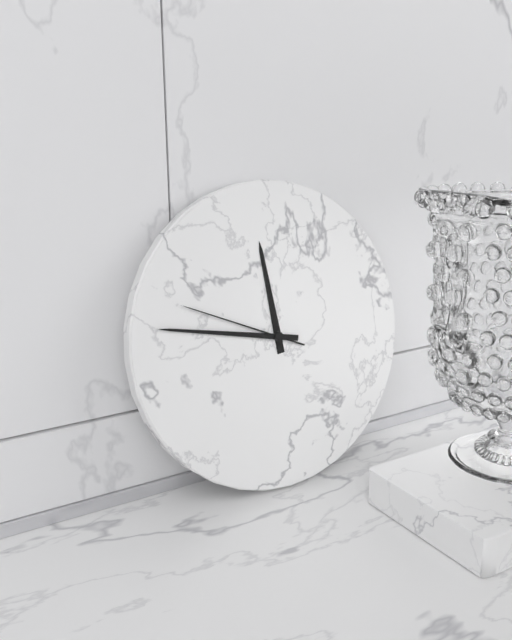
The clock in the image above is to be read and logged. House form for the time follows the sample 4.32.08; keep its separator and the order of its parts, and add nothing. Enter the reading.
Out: 11.47.49
